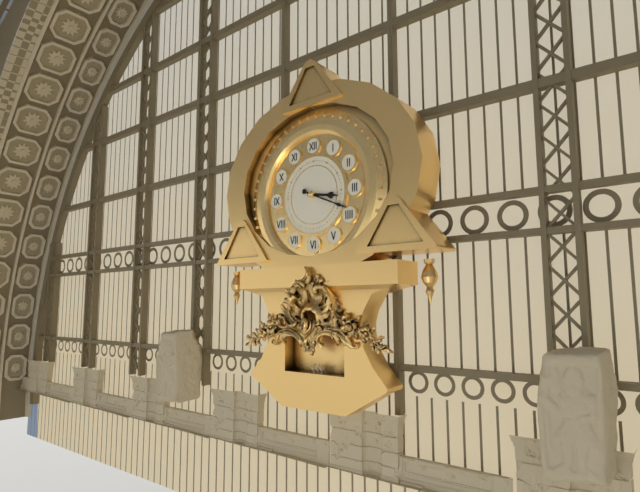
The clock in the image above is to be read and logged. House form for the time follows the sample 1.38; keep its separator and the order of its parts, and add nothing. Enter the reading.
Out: 3.19
